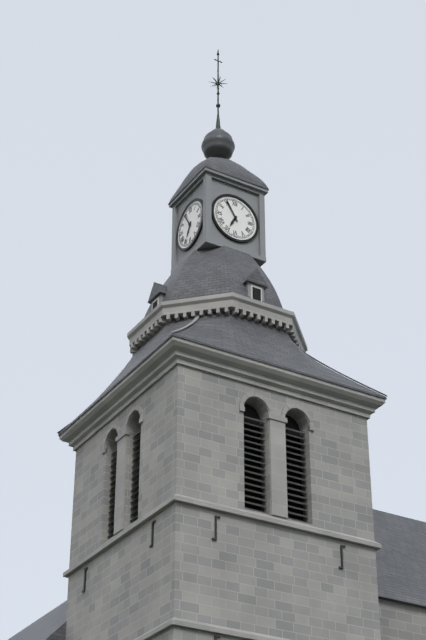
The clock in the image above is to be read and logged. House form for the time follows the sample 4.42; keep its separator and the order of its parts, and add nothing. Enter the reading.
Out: 6.55
